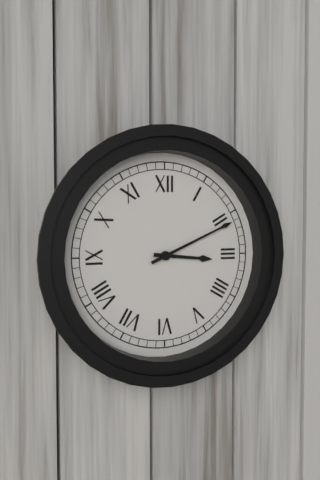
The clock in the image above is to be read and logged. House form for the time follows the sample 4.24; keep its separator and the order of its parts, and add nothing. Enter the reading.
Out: 3.11
